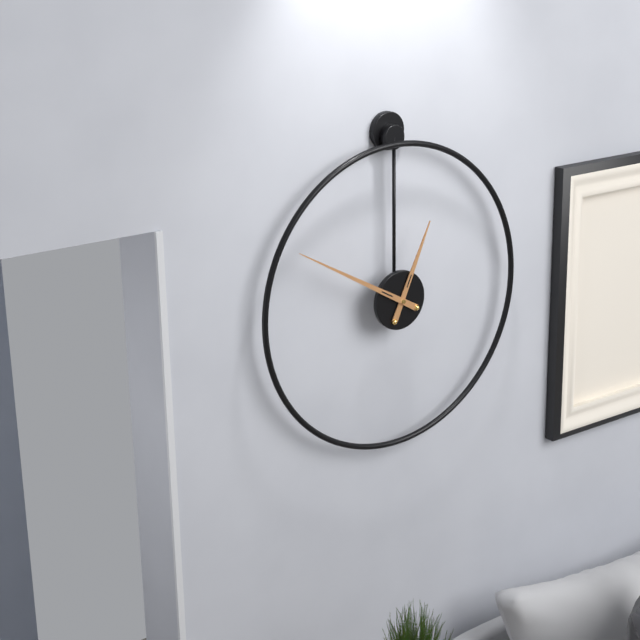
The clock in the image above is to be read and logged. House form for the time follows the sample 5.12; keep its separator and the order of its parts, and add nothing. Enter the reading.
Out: 12.50
